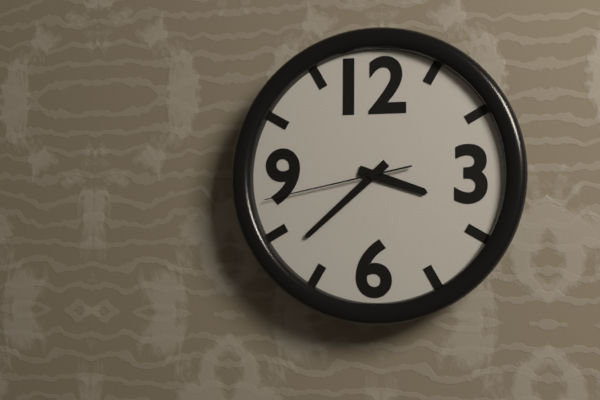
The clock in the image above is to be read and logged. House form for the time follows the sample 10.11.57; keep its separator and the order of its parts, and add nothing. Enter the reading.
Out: 3.38.43
